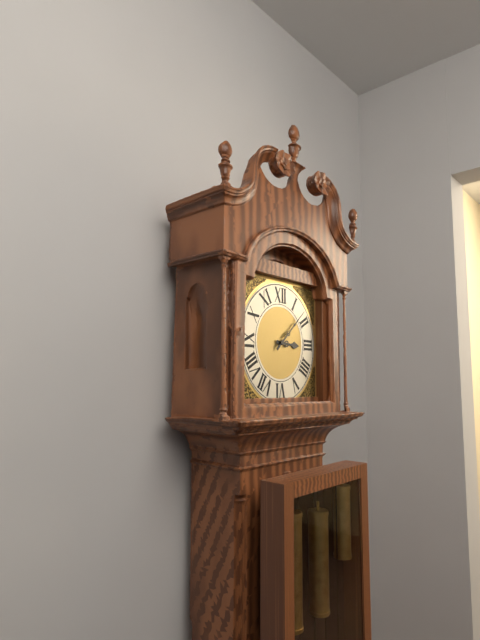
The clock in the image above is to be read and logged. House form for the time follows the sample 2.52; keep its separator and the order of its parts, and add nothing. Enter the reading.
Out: 3.08
